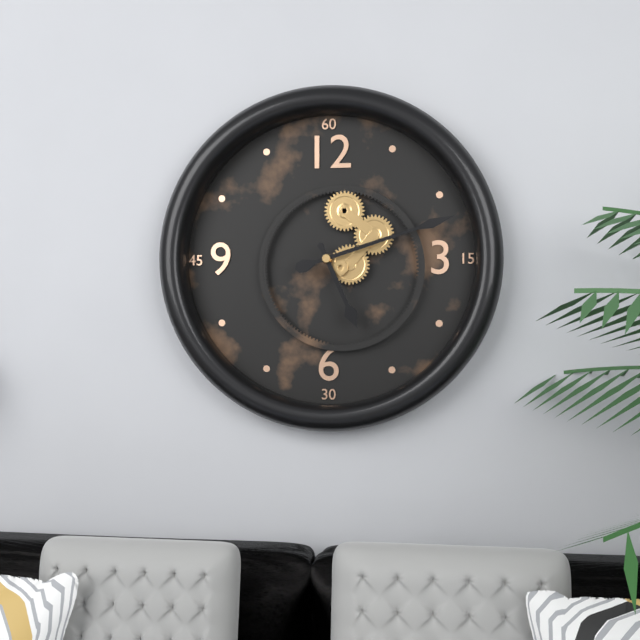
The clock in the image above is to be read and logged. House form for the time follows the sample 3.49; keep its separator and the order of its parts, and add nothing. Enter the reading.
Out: 5.12
